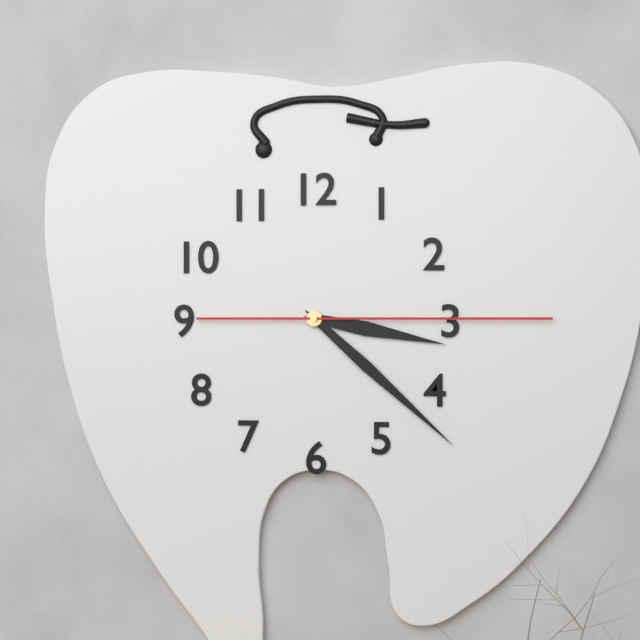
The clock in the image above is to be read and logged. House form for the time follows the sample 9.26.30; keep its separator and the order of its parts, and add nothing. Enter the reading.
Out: 3.22.15
